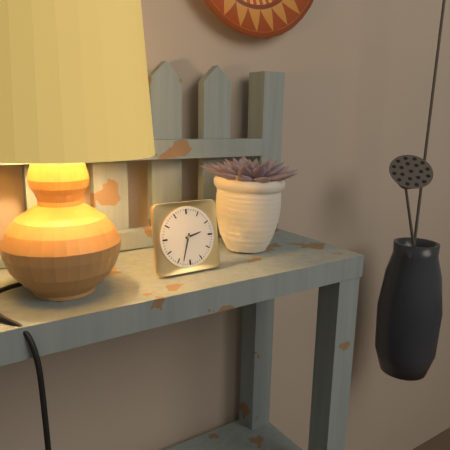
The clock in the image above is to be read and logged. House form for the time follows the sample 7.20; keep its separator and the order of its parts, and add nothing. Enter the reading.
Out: 2.33
